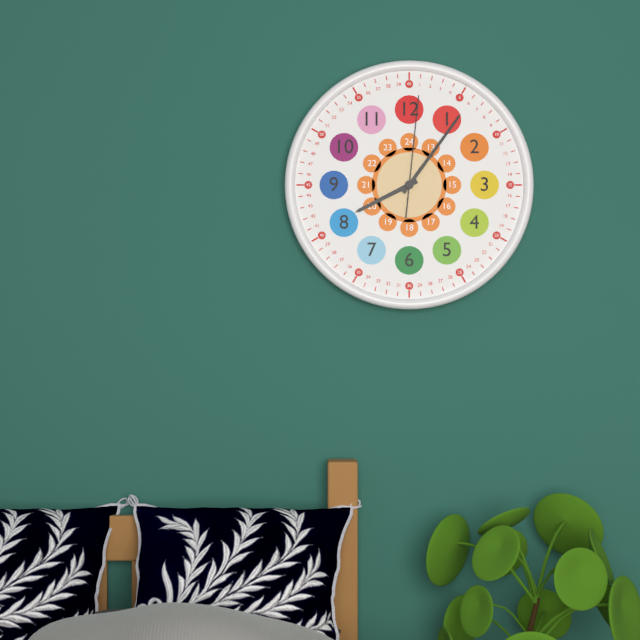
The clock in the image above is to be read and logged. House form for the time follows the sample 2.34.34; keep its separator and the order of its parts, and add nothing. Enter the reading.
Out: 8.06.01
